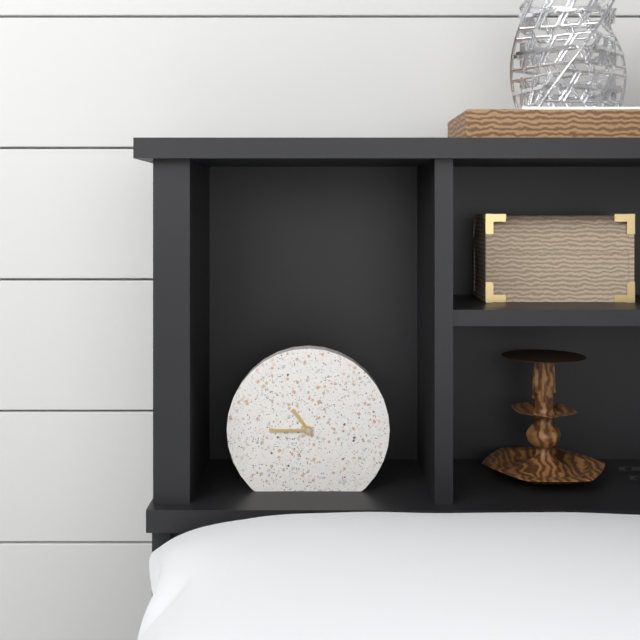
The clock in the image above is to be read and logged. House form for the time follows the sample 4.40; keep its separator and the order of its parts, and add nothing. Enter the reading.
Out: 10.45
